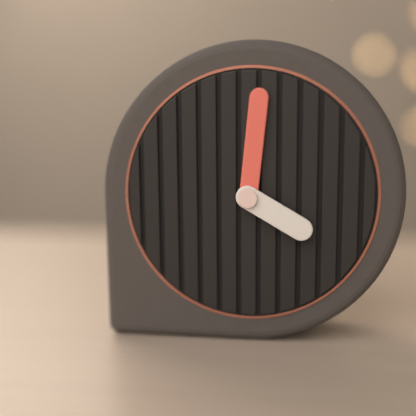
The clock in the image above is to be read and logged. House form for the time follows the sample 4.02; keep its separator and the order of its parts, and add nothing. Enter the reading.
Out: 4.01
